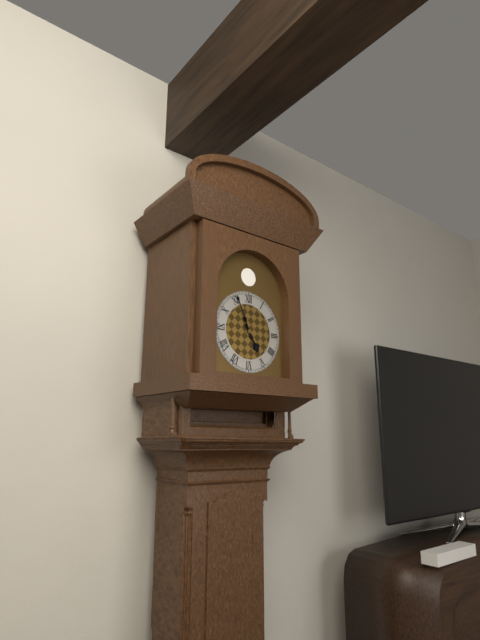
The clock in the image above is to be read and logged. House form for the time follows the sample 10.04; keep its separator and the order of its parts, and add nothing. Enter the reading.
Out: 4.56
